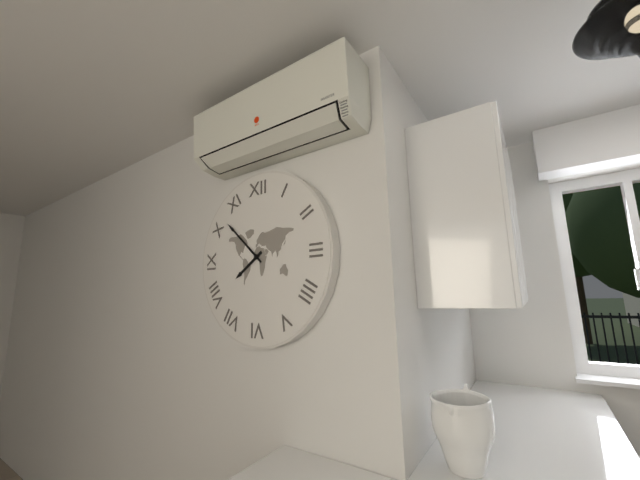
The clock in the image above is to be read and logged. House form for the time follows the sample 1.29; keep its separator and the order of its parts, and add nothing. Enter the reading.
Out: 7.52
